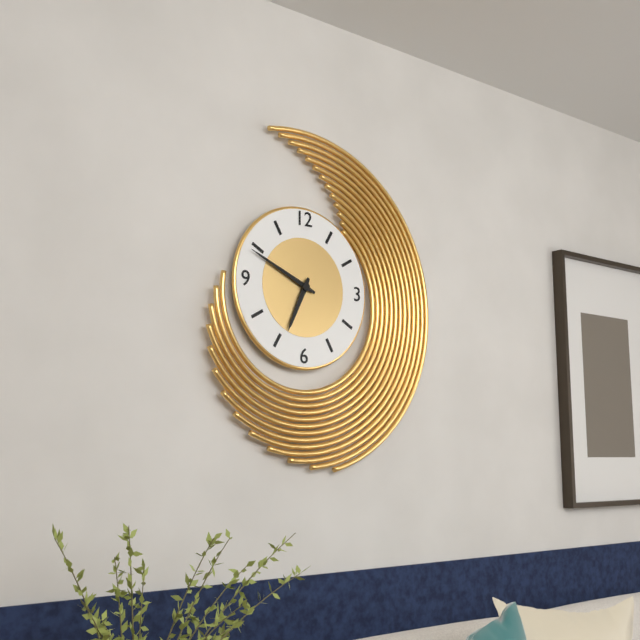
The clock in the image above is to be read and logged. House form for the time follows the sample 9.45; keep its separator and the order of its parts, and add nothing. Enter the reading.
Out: 6.49
